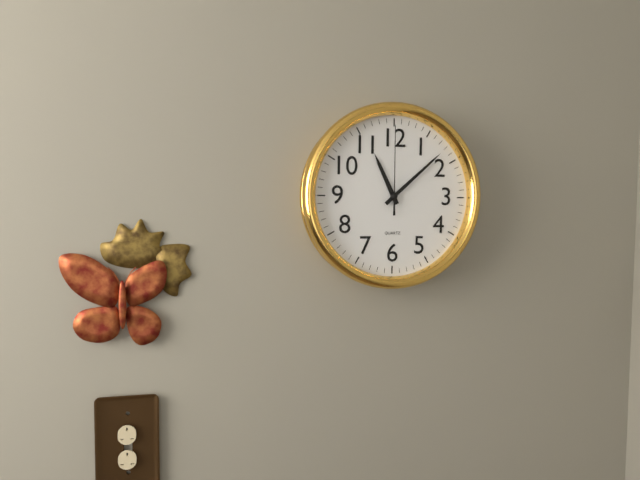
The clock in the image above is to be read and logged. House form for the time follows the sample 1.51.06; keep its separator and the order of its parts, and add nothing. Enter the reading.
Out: 11.08.00
